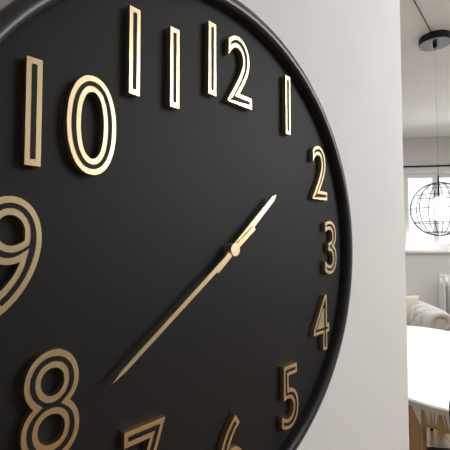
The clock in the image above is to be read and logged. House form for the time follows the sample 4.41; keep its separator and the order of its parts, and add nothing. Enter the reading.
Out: 1.39
